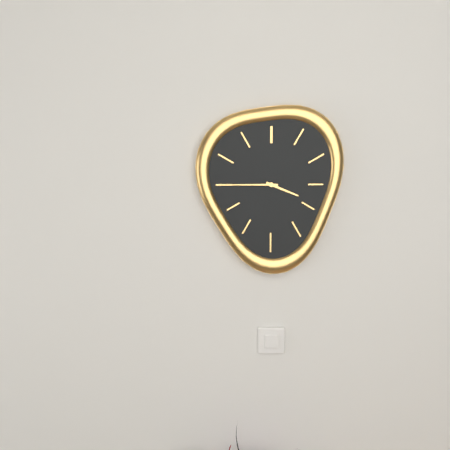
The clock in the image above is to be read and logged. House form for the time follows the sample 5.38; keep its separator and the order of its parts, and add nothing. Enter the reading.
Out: 3.45
